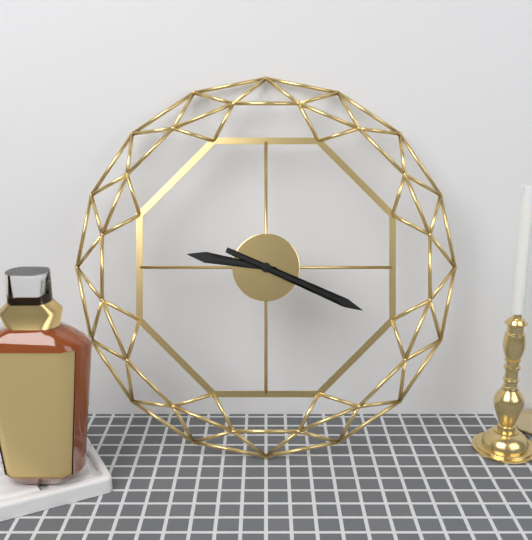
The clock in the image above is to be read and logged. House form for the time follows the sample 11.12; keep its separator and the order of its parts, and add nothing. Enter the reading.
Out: 9.19
